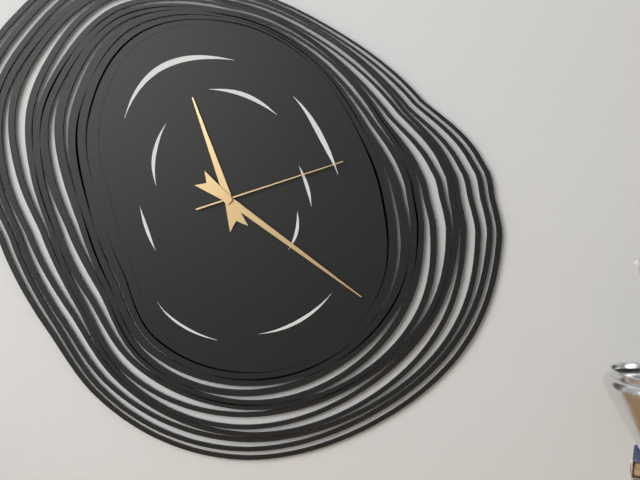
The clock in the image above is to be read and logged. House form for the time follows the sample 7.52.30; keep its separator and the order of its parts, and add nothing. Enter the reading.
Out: 11.21.12
